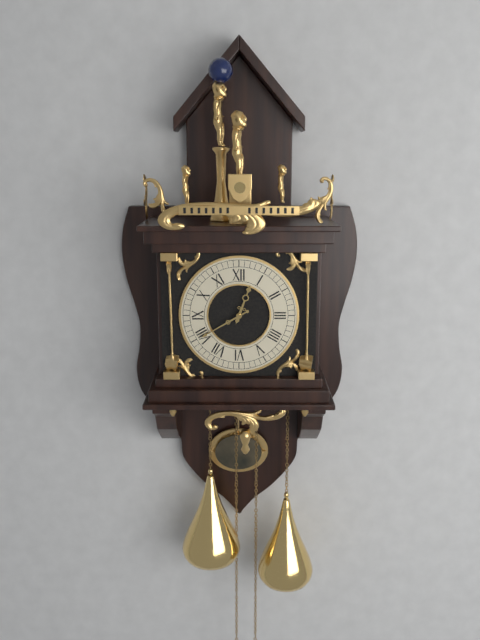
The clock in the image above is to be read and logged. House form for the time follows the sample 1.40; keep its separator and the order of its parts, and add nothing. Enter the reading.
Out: 12.40
